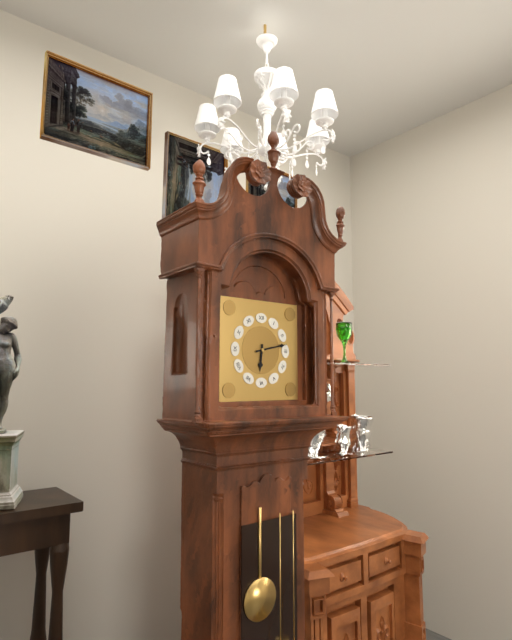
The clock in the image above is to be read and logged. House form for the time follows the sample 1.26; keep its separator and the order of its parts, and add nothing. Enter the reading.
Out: 6.13
